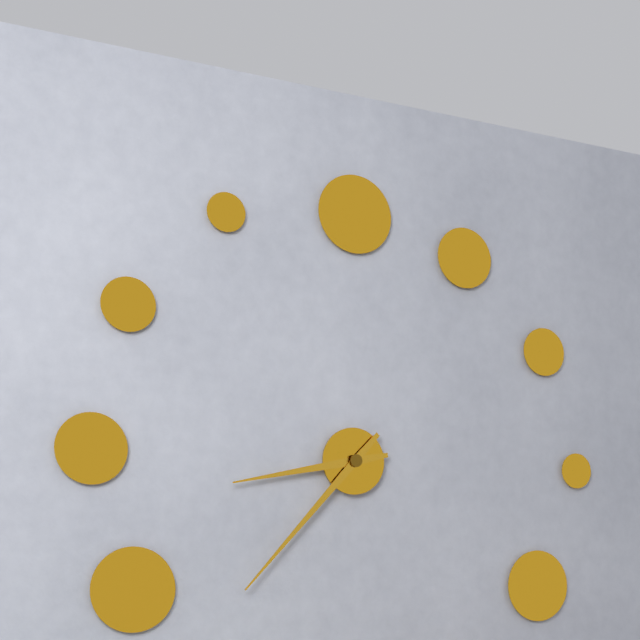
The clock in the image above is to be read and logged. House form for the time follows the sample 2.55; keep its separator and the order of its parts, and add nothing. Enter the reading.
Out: 8.37
